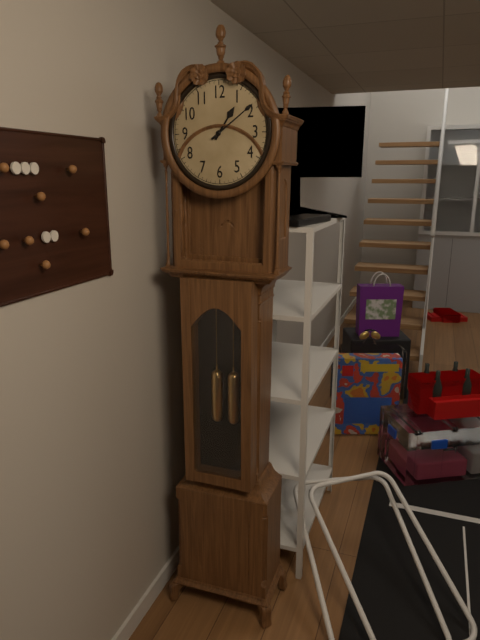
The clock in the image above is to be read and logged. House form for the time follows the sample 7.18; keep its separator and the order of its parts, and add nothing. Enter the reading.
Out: 1.09
